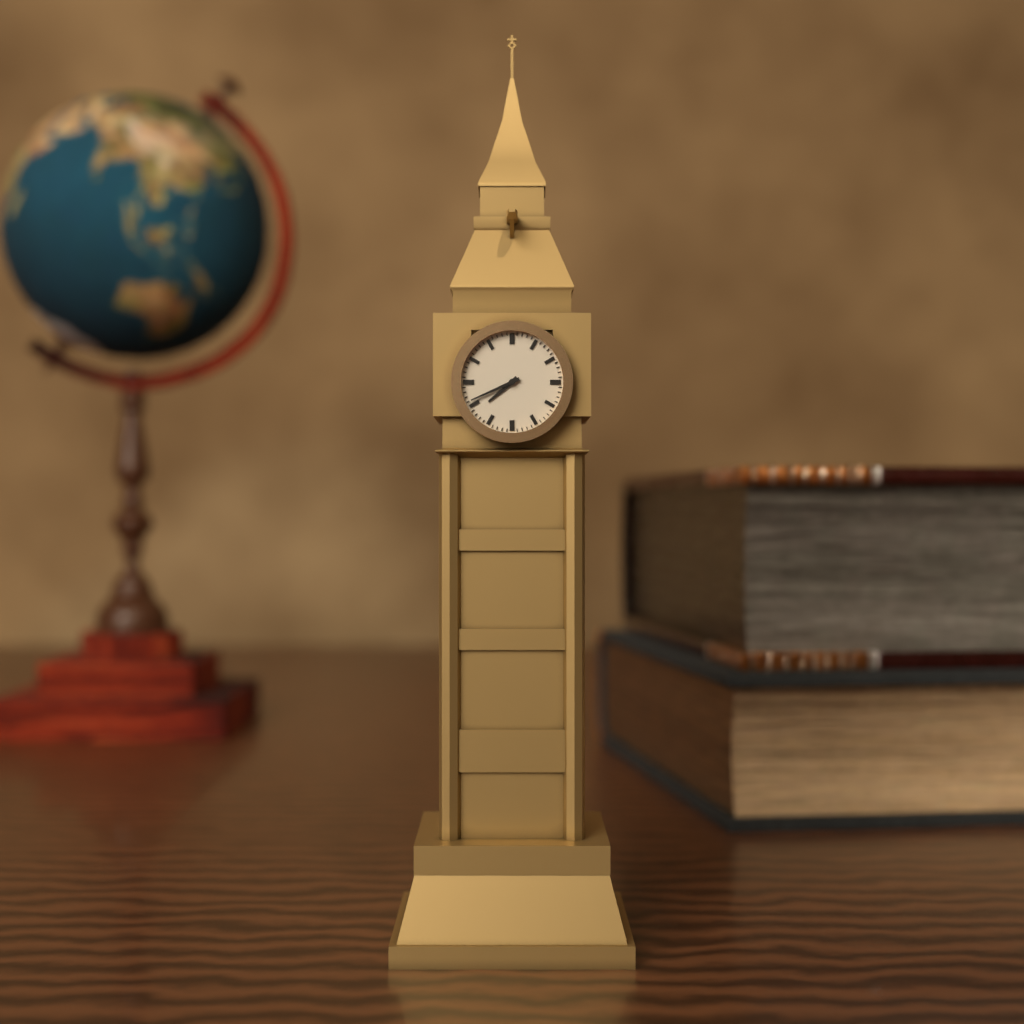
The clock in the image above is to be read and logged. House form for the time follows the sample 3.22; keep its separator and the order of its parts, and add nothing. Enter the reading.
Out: 7.41
